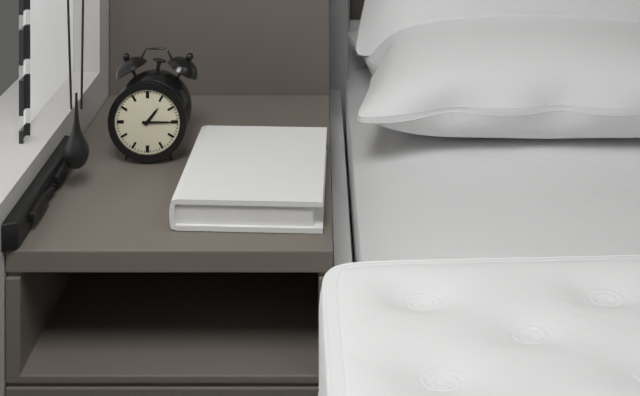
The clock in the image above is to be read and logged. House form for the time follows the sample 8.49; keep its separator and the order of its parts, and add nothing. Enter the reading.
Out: 1.15
